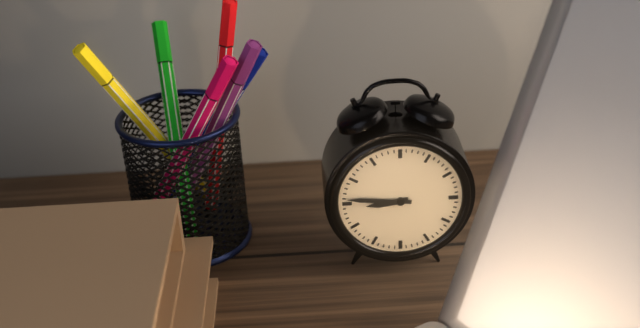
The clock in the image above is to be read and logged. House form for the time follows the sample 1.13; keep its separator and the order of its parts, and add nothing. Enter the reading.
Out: 8.46
